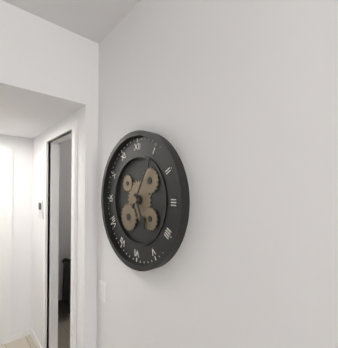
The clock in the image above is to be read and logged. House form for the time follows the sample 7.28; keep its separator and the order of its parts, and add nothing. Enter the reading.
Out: 5.05
